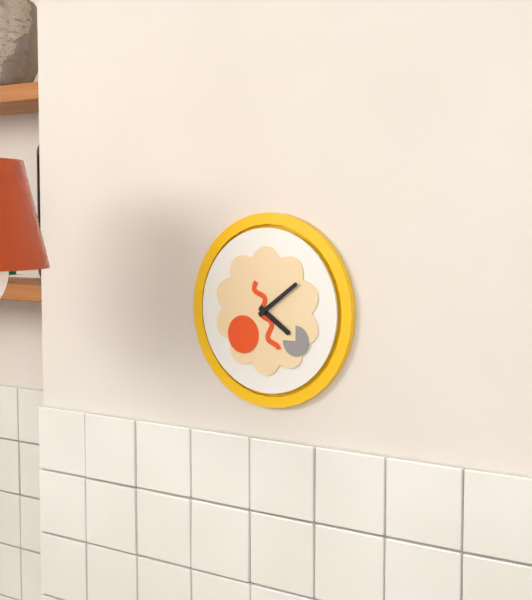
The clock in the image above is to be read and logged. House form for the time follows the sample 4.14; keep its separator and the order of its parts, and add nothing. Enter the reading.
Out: 4.09
